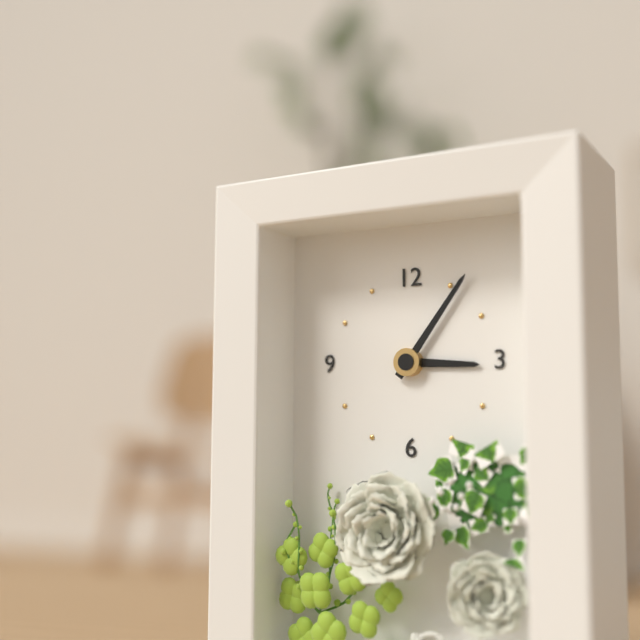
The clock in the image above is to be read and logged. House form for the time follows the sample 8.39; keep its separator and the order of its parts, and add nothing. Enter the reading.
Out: 3.06
